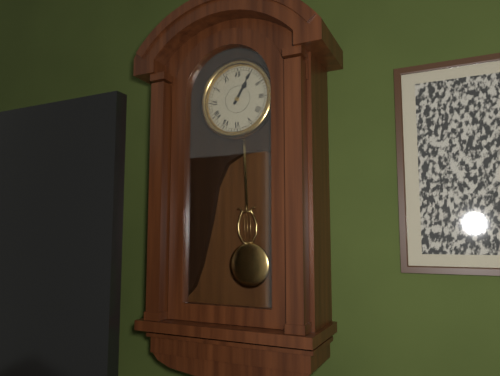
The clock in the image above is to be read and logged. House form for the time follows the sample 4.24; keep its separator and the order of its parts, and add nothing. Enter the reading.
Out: 1.05
